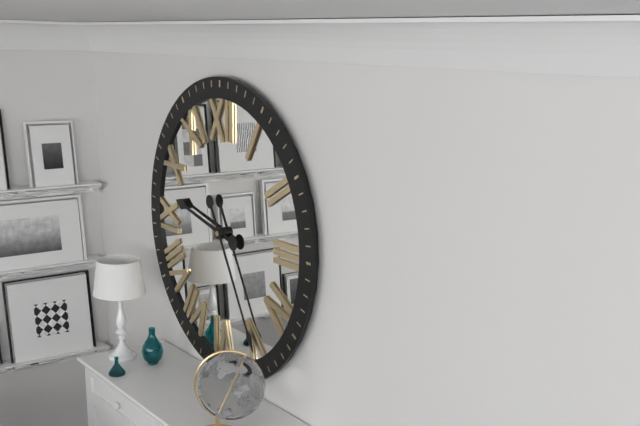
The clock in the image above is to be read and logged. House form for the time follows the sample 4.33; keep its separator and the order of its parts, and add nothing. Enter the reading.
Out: 9.25
